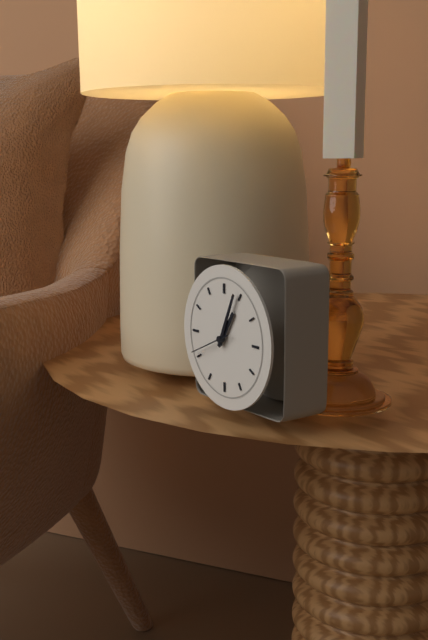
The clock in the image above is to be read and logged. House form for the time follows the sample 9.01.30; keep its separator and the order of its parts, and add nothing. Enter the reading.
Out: 1.04.41
